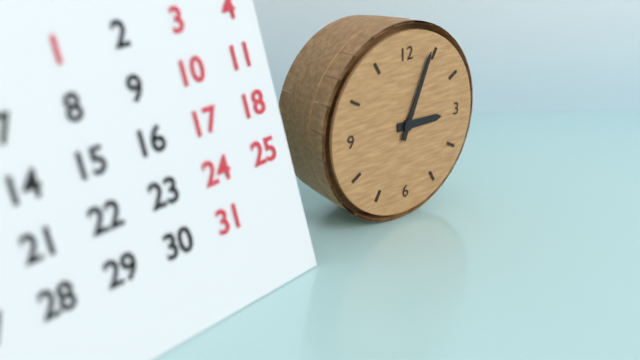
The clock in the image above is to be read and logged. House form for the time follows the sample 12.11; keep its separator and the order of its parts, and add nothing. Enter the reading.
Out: 3.04
